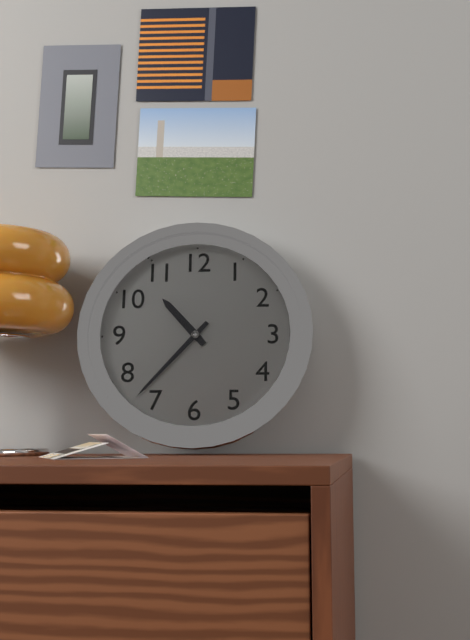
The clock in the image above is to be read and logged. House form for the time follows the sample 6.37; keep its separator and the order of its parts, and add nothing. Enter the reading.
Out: 10.37
